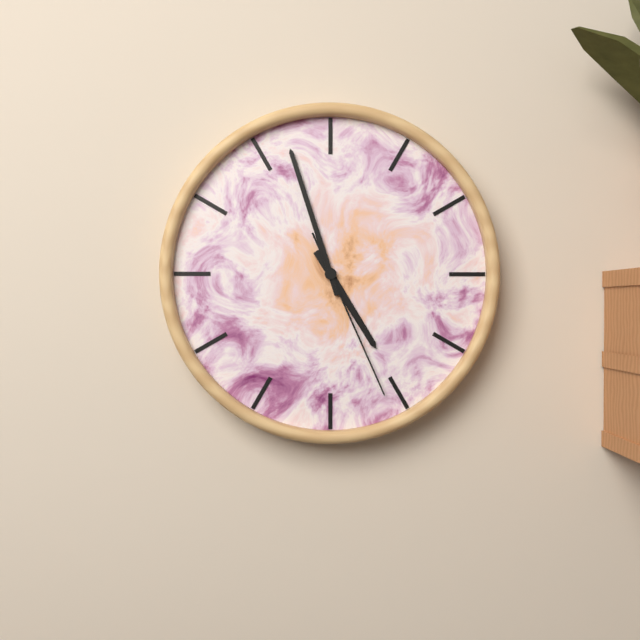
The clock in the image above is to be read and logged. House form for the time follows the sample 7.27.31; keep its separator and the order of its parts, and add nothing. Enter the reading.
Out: 4.57.26
